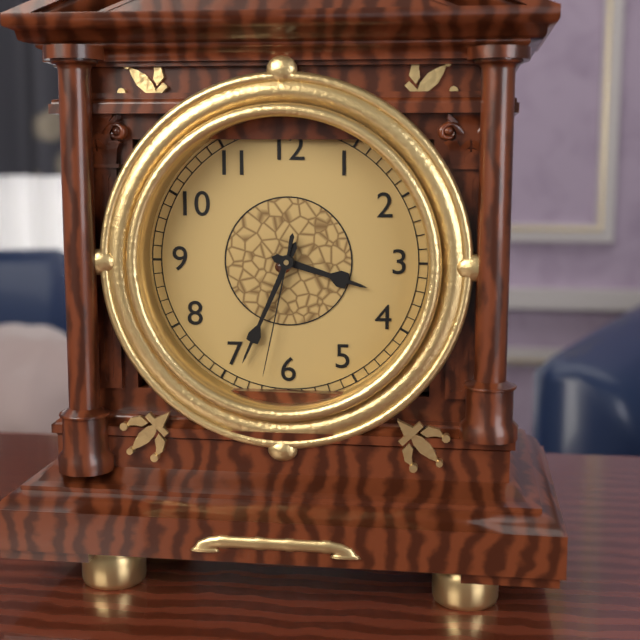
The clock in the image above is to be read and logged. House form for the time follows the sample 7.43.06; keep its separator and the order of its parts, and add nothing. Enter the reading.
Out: 3.34.32
